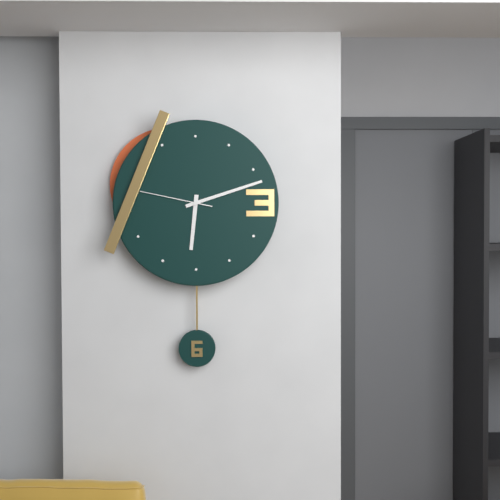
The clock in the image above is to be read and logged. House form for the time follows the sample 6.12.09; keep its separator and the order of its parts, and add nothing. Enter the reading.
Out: 6.12.47
